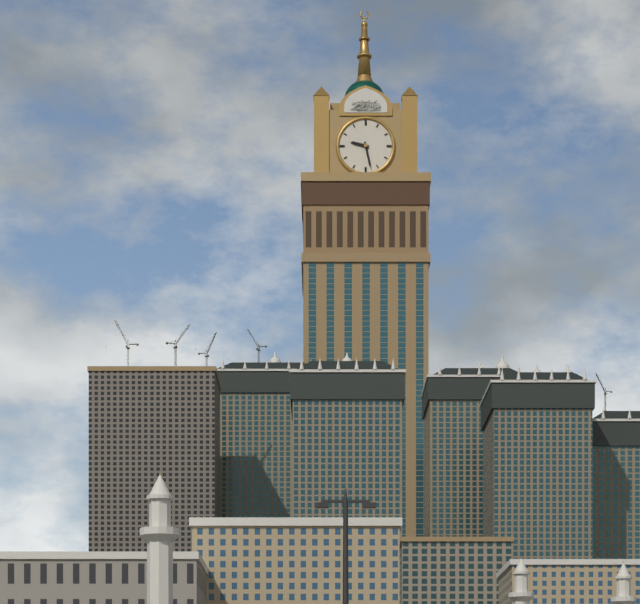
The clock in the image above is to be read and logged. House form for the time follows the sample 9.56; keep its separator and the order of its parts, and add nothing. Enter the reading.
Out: 9.28
